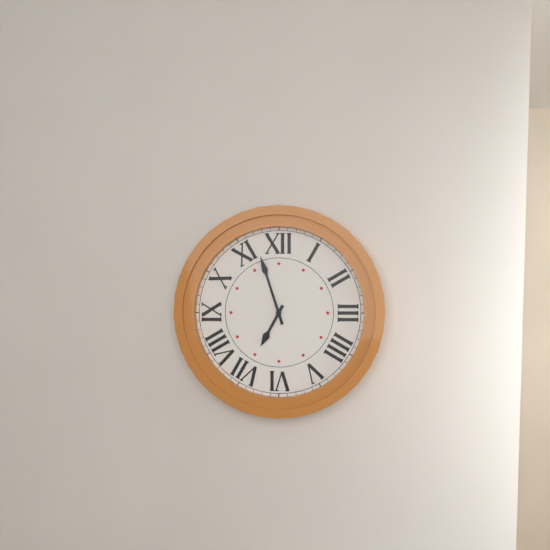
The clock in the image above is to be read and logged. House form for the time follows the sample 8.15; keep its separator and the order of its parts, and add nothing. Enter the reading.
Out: 6.57
